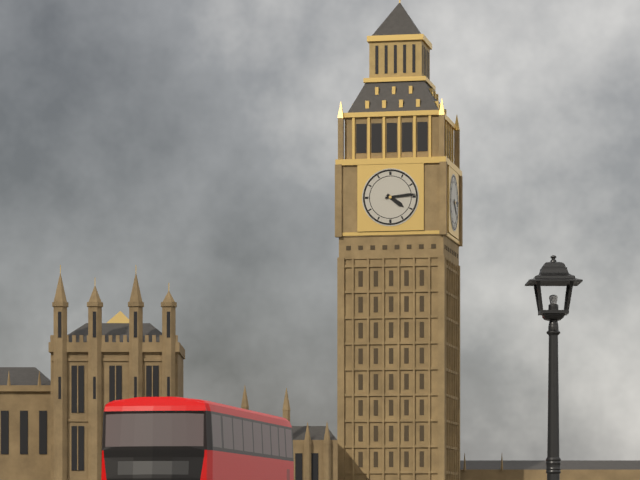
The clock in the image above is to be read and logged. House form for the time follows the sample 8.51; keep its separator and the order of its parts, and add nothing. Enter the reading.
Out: 4.14
